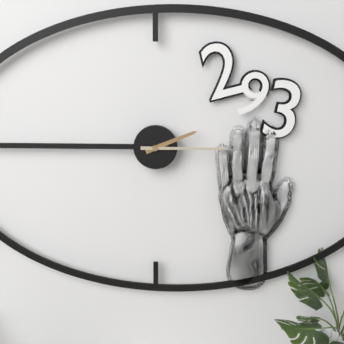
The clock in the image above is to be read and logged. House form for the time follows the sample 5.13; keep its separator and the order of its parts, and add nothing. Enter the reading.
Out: 2.15
